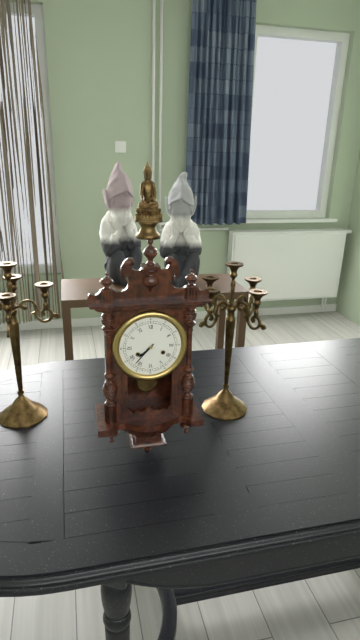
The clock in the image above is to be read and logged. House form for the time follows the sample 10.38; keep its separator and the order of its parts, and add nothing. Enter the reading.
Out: 7.37
